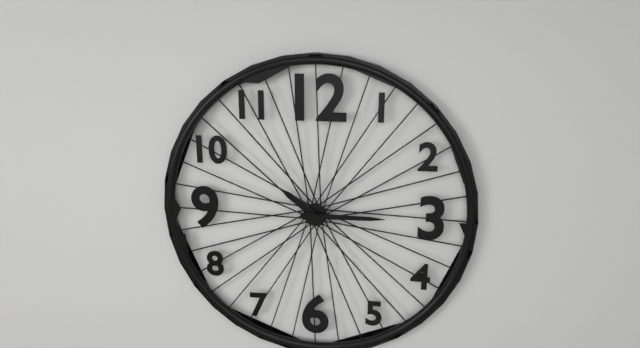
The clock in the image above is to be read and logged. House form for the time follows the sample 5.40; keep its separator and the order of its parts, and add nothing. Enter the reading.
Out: 10.15
